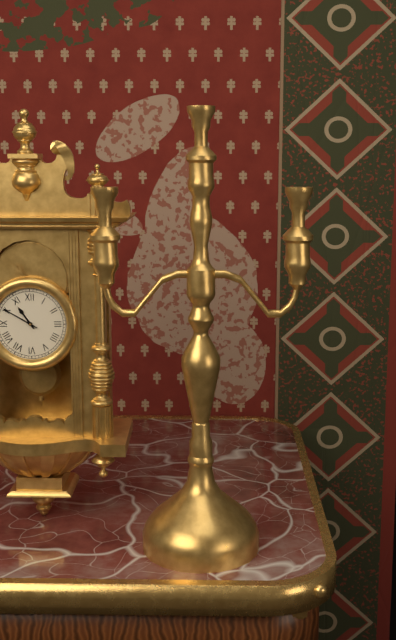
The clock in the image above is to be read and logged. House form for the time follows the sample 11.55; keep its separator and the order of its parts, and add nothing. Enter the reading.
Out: 10.50
